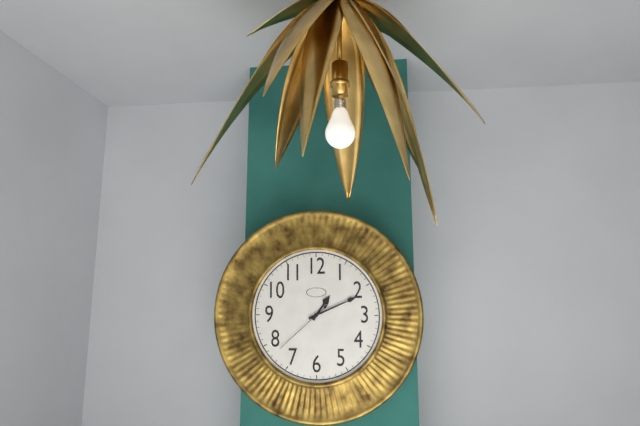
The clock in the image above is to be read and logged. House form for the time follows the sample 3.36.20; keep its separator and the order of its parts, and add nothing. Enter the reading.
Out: 1.11.38
